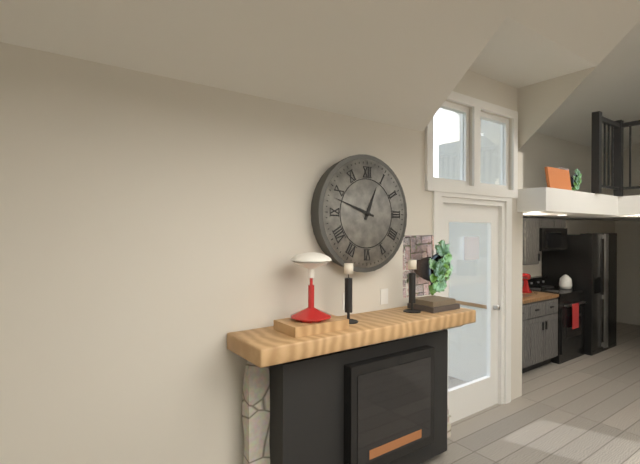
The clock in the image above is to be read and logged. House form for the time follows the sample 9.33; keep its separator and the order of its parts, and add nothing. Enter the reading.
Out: 12.48
